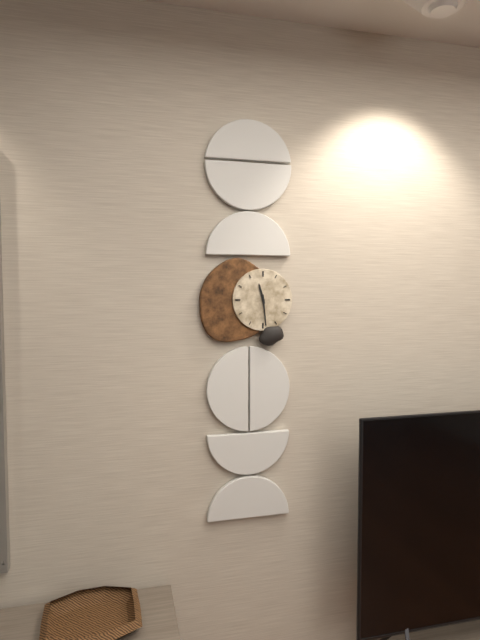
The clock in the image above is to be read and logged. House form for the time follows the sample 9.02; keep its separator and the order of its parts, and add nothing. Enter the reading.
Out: 11.29
